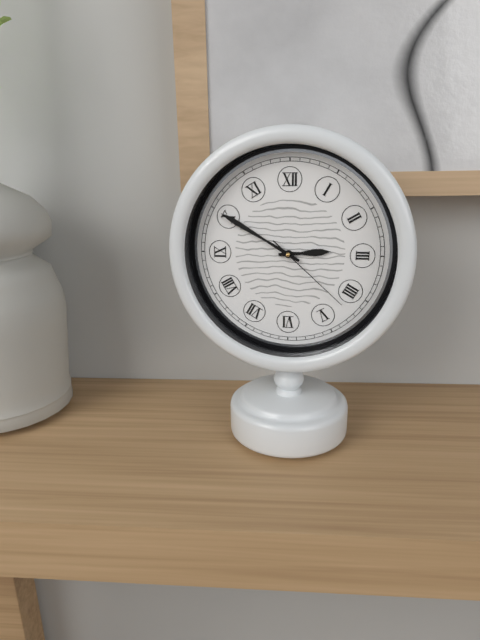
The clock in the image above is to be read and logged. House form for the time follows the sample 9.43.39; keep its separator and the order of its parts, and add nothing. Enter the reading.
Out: 2.50.22
